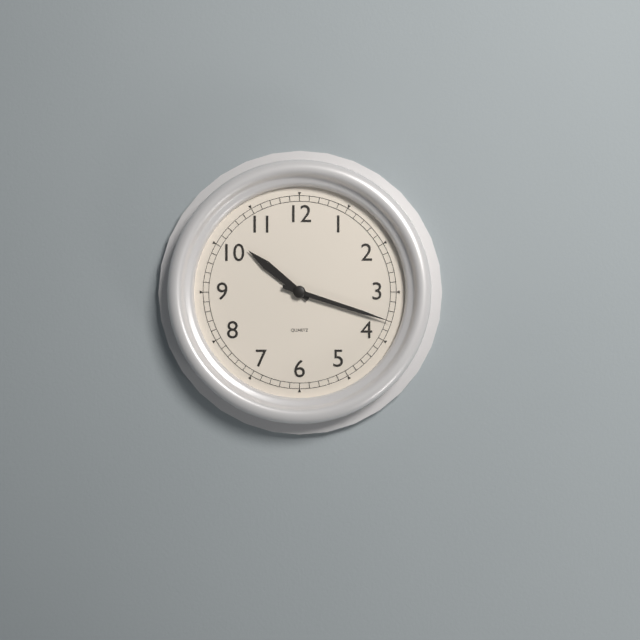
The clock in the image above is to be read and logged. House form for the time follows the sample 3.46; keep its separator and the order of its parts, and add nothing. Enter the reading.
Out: 10.18
